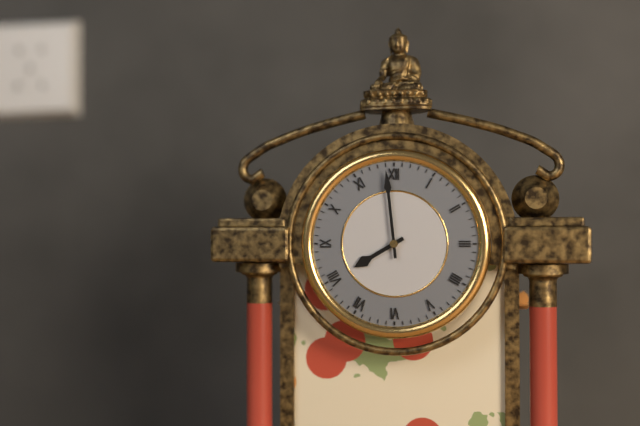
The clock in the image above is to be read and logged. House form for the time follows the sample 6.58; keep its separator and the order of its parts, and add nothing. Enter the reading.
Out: 7.59
